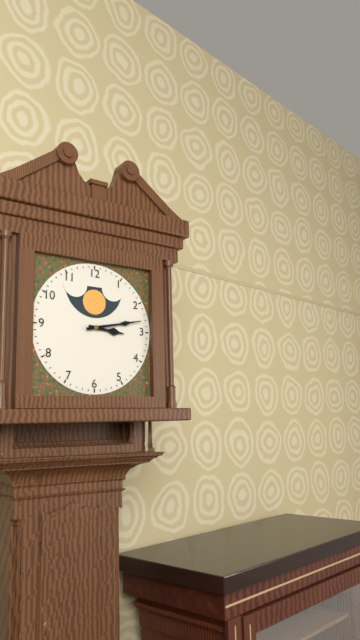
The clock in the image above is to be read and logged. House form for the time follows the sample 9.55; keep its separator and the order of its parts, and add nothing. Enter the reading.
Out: 3.13
